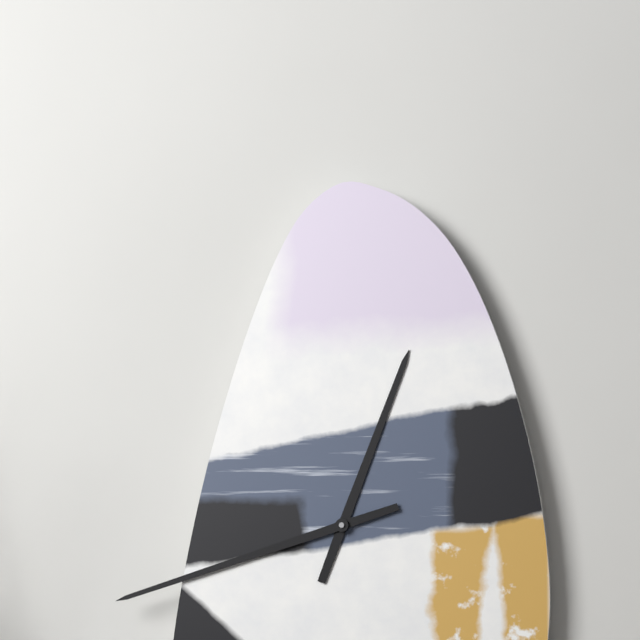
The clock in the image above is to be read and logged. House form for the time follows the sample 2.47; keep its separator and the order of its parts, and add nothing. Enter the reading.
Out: 12.42
